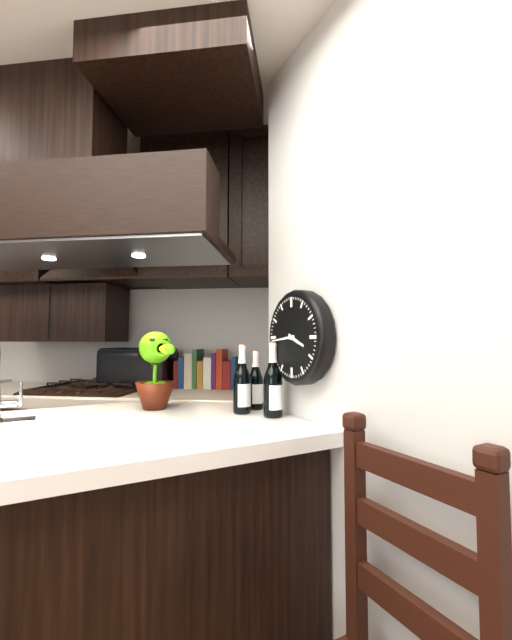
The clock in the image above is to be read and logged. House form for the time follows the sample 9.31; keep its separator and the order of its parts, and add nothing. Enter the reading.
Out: 3.44
